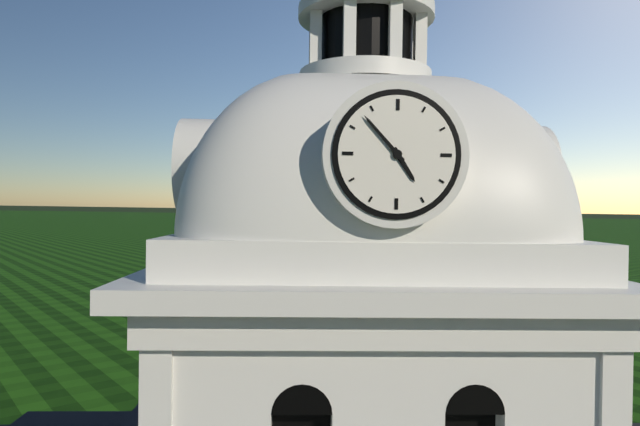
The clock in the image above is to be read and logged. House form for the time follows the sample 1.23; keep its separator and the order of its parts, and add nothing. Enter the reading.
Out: 4.53
